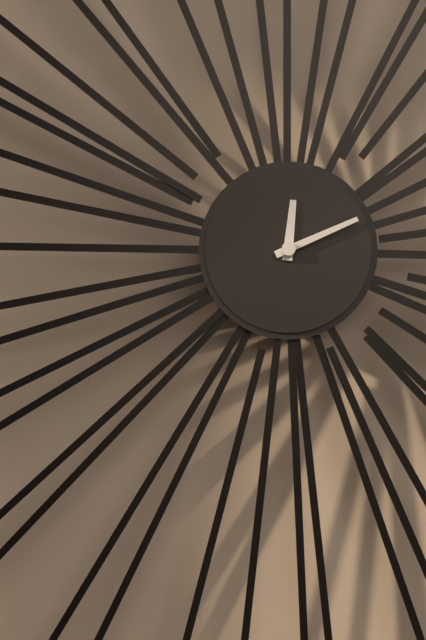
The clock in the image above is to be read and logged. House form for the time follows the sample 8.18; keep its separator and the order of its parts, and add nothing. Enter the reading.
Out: 12.11
